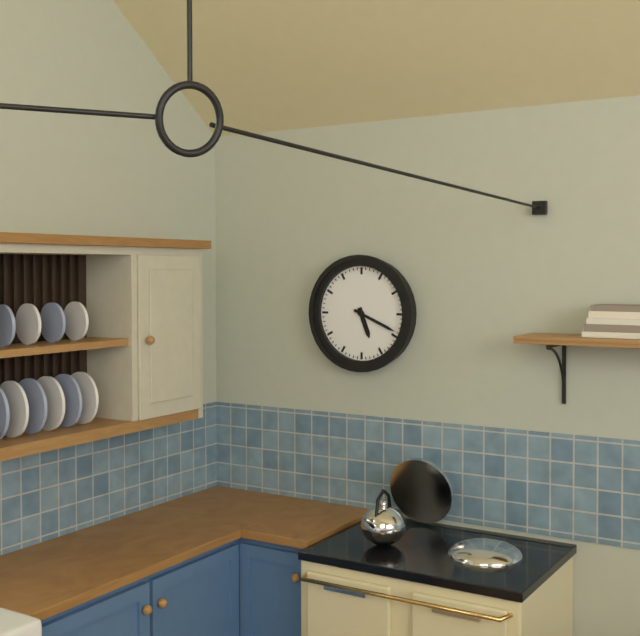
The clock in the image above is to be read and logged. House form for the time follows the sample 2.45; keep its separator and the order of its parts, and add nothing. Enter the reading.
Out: 5.19
